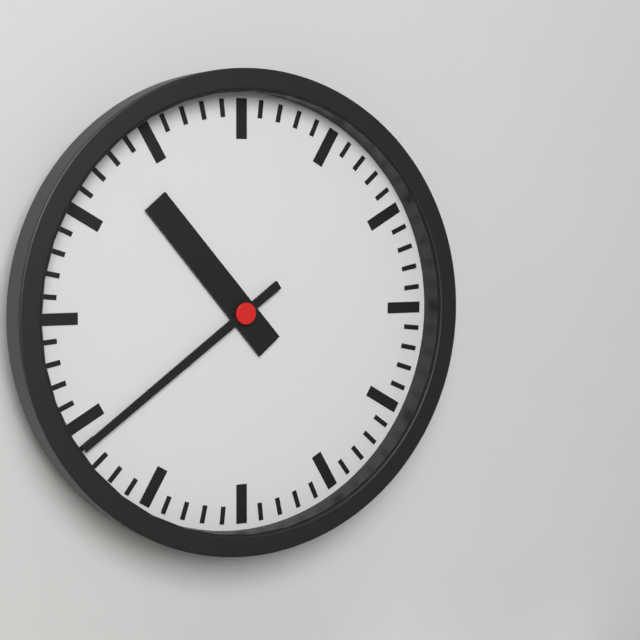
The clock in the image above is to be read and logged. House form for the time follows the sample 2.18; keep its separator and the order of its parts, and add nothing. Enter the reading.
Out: 10.39
